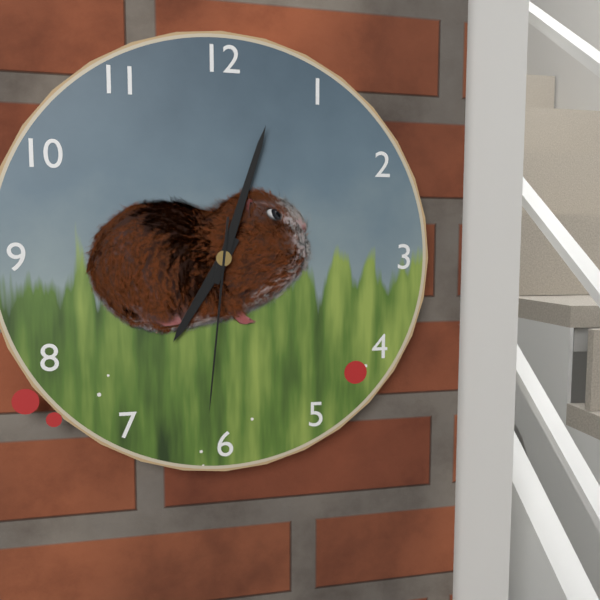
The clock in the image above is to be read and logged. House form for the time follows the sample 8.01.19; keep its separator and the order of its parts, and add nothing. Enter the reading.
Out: 7.03.31
